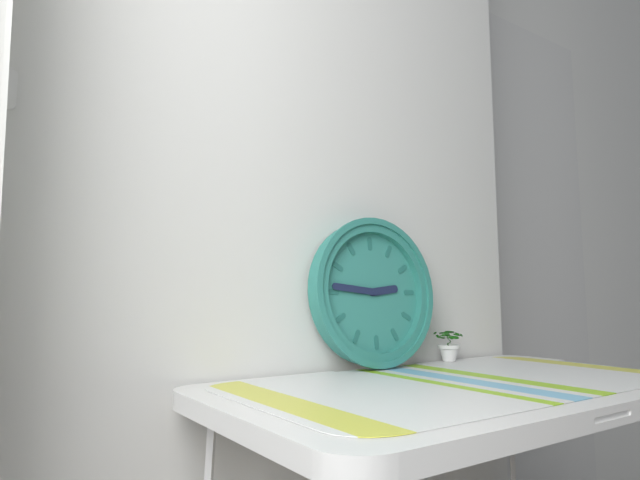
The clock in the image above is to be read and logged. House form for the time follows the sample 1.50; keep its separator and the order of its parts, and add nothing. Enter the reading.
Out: 2.46
